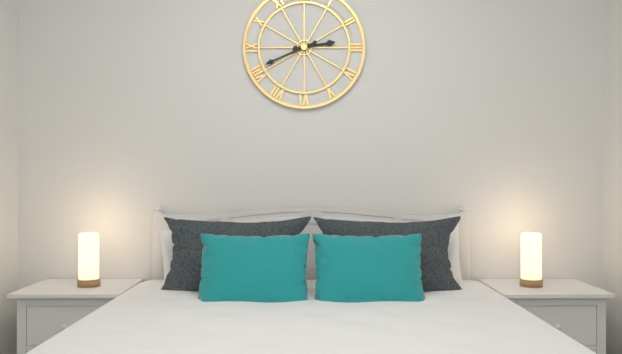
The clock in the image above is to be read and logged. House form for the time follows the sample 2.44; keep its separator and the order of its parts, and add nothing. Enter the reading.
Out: 2.41
